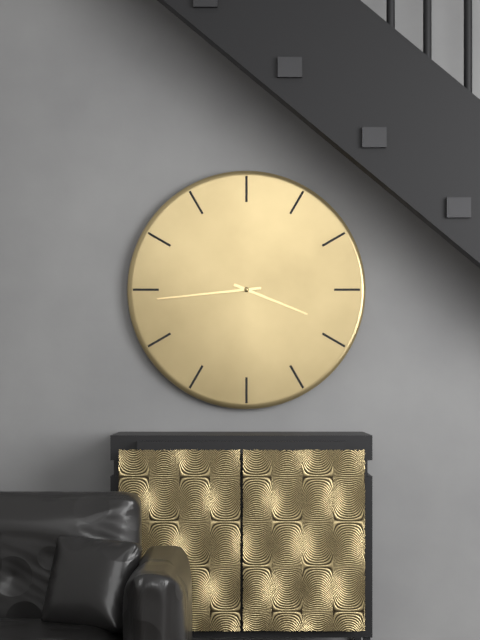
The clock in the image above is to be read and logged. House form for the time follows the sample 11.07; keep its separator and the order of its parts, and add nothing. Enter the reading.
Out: 3.44
